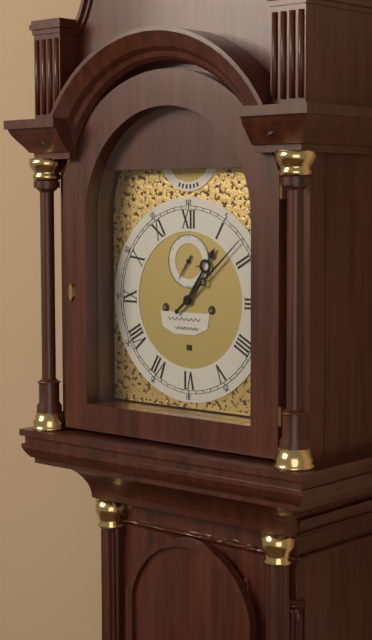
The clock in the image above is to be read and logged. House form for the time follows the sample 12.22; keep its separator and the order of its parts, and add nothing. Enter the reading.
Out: 1.08
